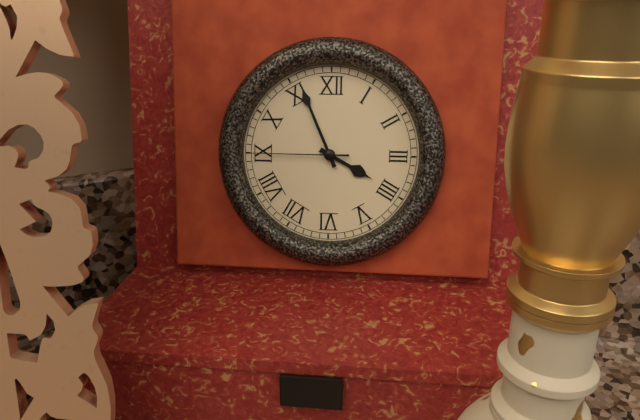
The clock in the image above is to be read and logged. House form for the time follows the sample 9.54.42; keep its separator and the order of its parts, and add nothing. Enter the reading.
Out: 3.56.45
